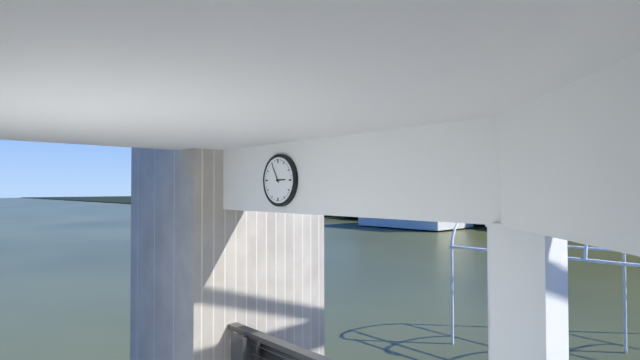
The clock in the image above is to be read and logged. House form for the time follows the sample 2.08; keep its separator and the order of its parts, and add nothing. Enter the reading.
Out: 2.55
